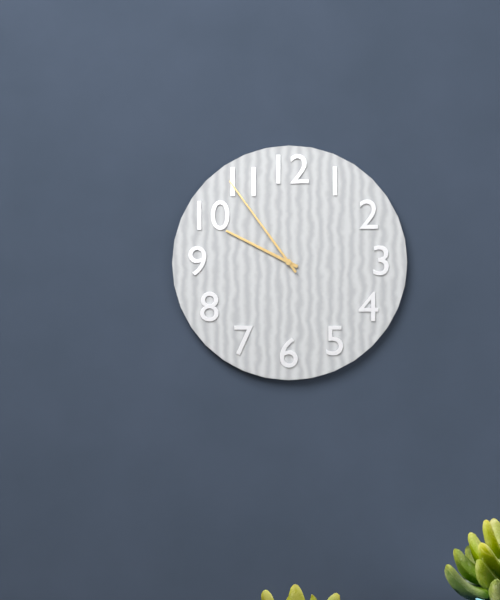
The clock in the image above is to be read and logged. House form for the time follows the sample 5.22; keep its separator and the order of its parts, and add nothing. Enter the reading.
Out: 9.54
